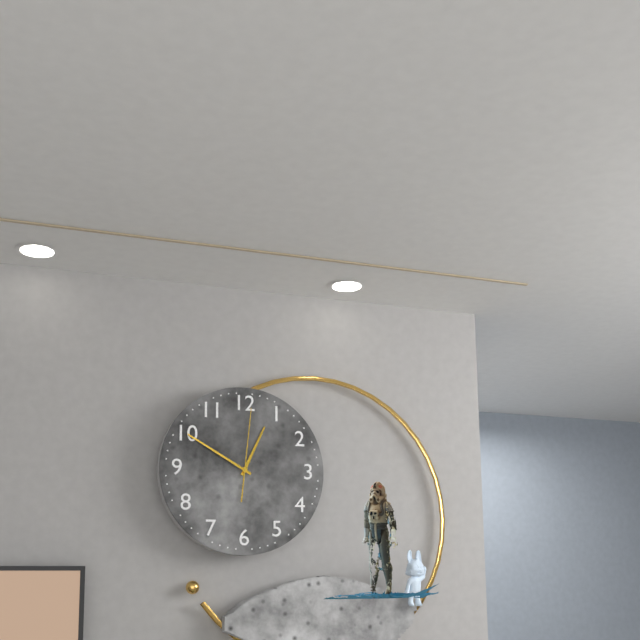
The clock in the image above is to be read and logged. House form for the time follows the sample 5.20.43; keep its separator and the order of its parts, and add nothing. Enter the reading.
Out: 12.50.01
